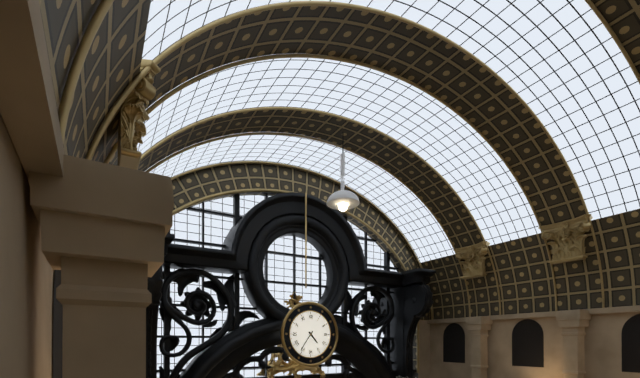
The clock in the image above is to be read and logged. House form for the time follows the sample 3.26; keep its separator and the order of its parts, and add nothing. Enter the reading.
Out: 4.36
